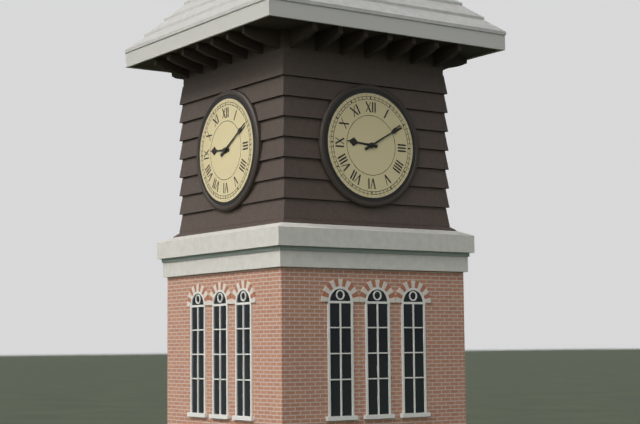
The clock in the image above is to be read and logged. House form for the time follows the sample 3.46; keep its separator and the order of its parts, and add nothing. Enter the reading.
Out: 9.10
